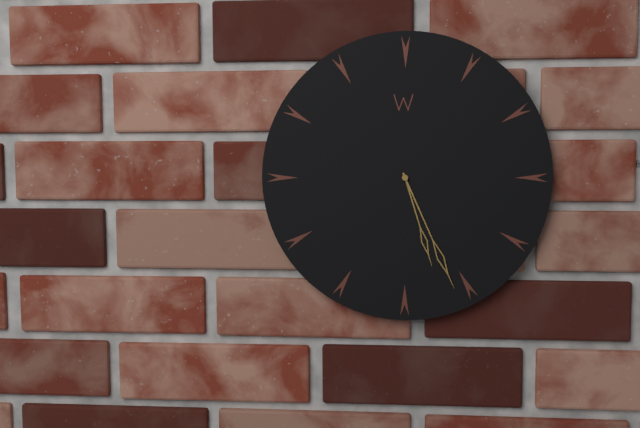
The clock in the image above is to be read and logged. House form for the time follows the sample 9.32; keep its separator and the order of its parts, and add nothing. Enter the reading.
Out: 5.26
